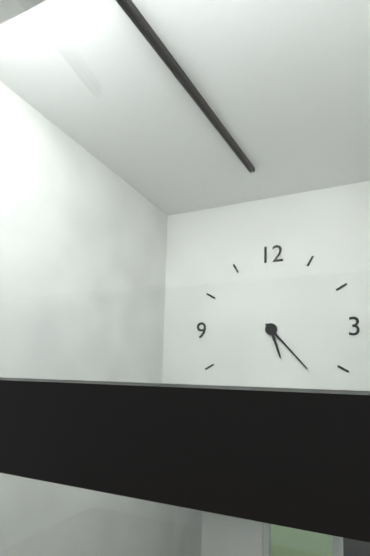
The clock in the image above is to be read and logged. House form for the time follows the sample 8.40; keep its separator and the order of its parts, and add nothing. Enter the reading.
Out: 5.23
